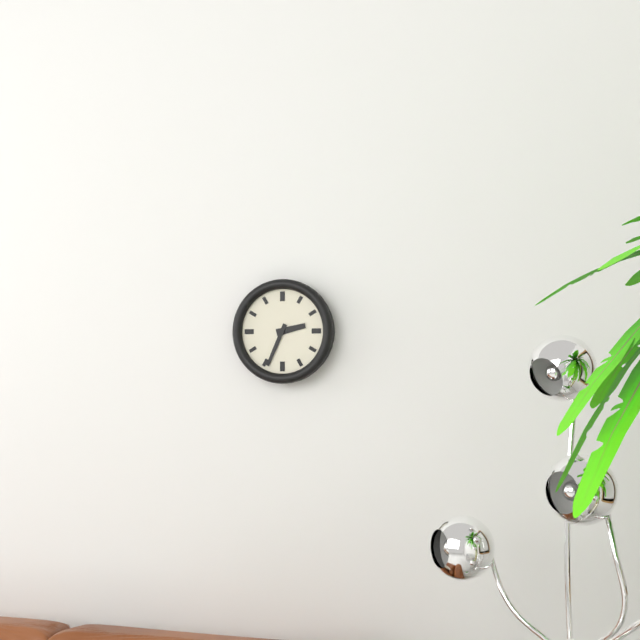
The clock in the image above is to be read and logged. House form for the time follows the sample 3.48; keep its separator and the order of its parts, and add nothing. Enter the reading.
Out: 2.34
